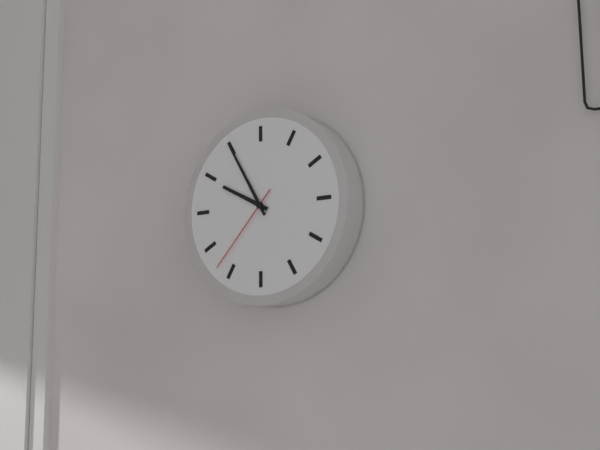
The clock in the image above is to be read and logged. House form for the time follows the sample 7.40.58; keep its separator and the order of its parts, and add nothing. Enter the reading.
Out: 9.55.37
